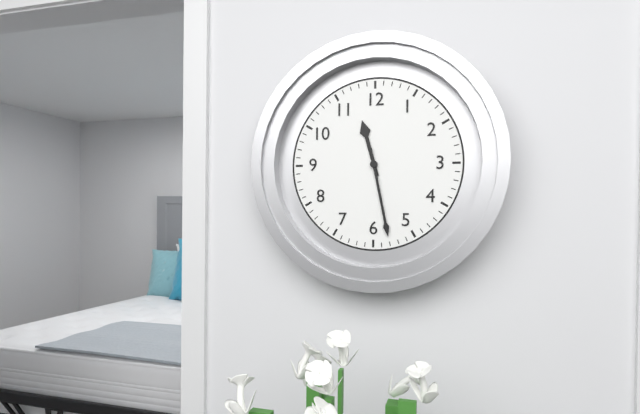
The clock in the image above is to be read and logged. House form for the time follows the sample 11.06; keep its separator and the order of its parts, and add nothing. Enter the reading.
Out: 11.28
